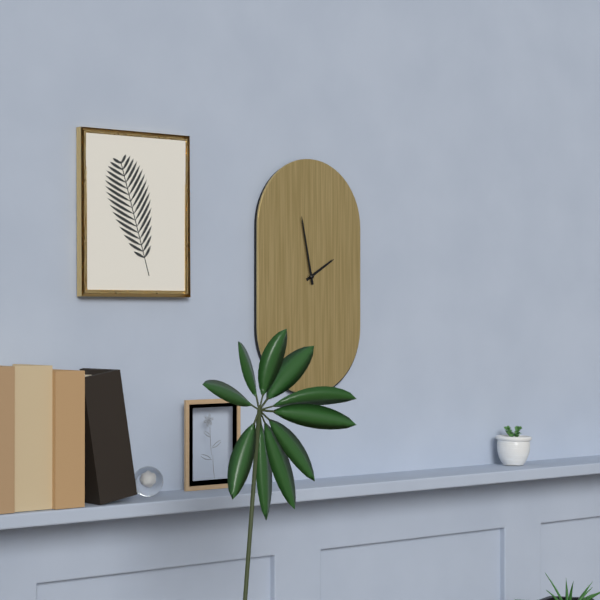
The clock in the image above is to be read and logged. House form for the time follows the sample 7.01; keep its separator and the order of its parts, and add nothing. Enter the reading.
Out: 1.58
